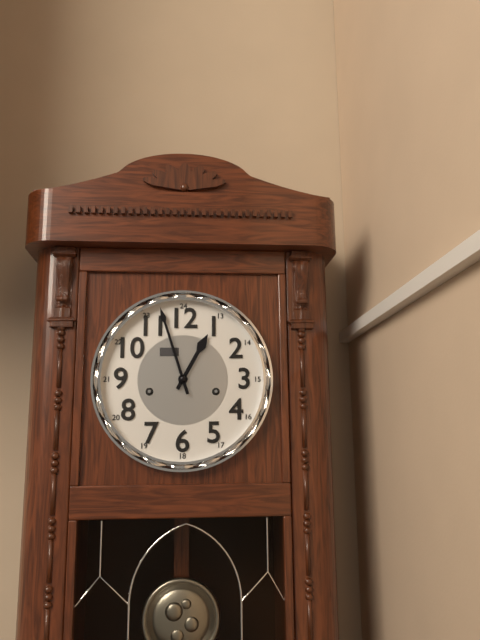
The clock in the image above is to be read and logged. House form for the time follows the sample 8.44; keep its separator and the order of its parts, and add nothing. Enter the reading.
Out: 12.57
